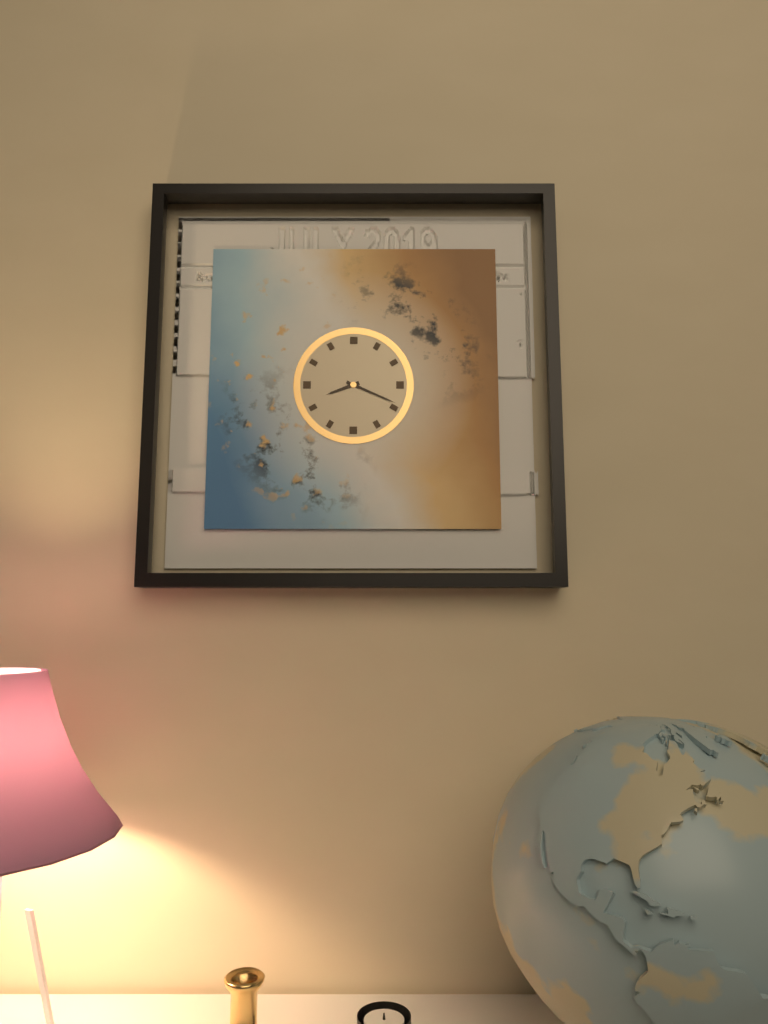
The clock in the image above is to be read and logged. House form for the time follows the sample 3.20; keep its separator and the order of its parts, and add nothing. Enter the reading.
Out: 8.19
